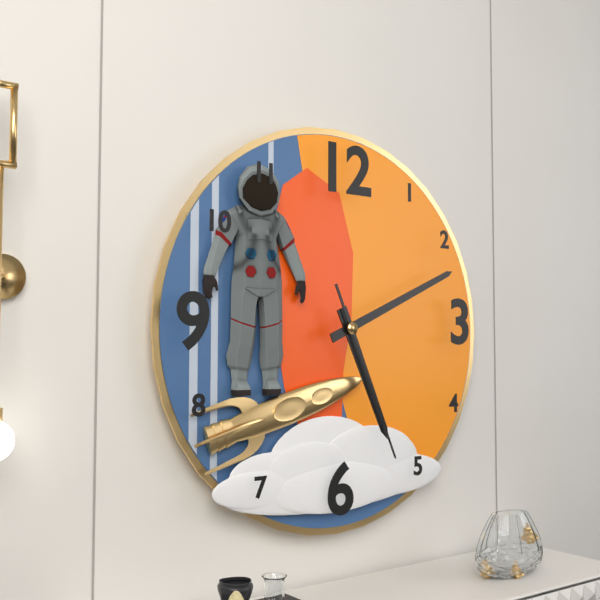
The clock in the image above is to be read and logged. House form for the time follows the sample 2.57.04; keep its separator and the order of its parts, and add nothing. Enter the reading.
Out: 5.11.26
